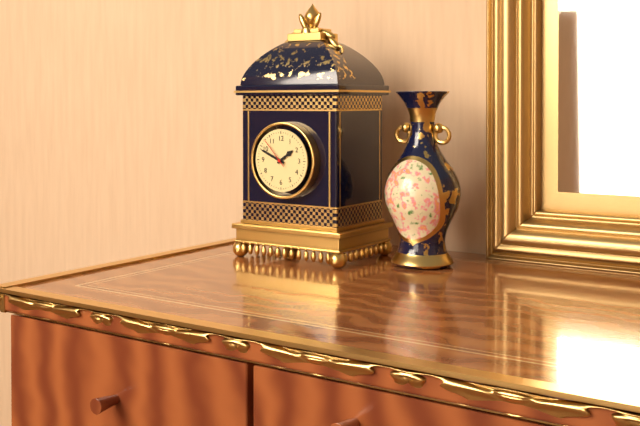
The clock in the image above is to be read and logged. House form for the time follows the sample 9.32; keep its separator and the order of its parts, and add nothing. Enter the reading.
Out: 1.49
